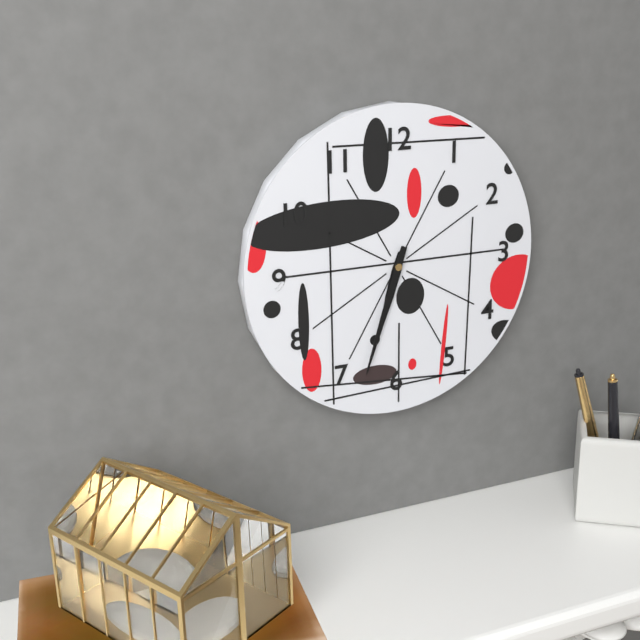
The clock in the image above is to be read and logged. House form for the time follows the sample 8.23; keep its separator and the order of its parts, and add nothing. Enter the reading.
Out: 6.33
